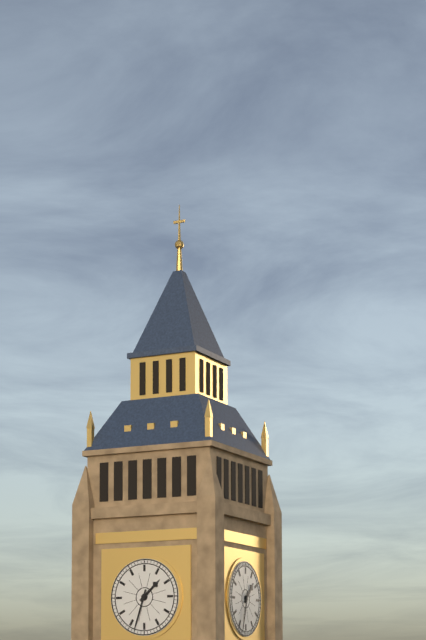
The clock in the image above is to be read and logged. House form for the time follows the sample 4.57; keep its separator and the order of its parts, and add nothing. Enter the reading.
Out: 1.33
